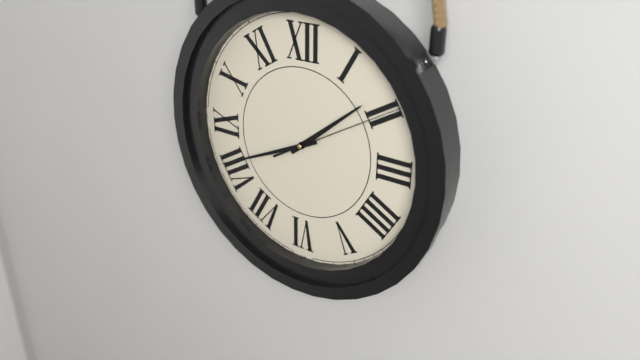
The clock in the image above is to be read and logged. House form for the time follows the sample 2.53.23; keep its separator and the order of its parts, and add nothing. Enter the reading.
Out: 1.41.10
